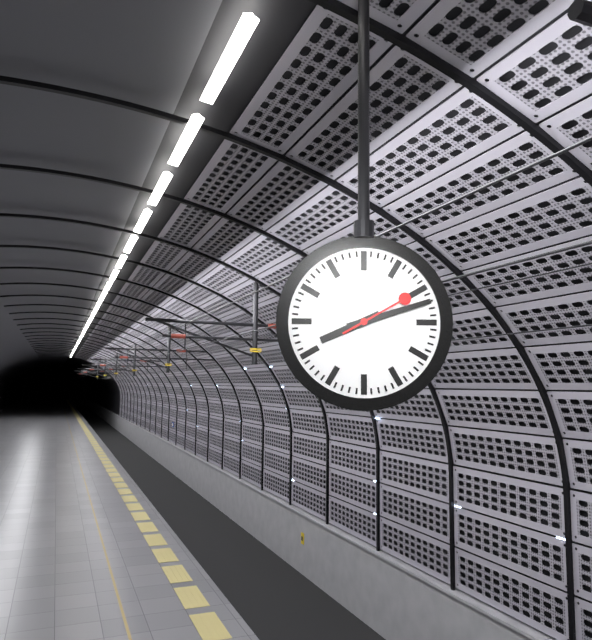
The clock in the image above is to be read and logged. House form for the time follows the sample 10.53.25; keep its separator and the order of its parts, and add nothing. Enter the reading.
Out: 8.12.10
